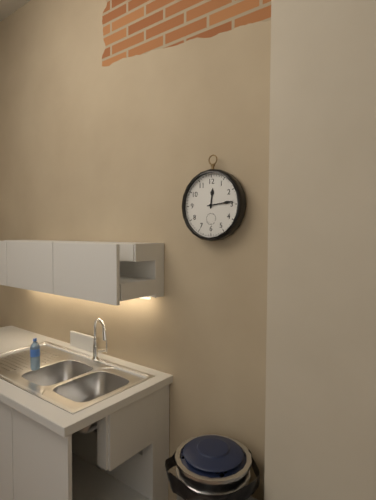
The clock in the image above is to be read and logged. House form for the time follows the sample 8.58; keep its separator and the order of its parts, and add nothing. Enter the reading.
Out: 12.14
